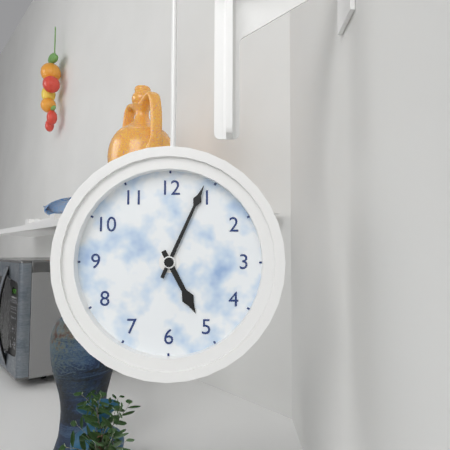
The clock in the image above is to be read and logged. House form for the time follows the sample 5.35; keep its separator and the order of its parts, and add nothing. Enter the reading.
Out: 5.04
